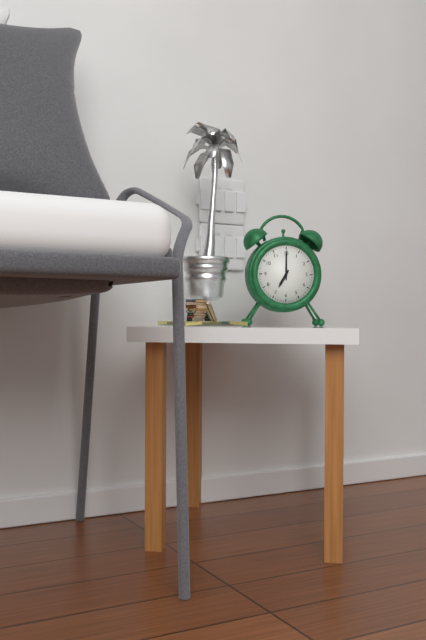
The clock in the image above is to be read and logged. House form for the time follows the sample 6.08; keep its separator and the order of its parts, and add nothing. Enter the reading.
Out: 7.00
